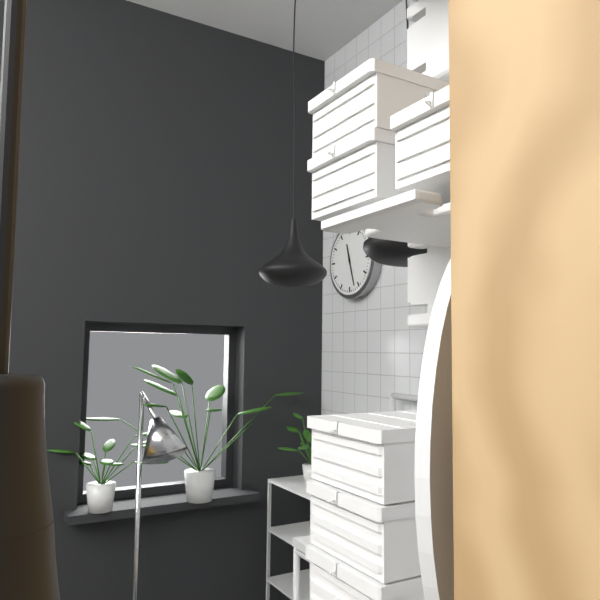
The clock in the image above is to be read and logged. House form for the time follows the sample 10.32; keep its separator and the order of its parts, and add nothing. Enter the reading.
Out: 11.27
